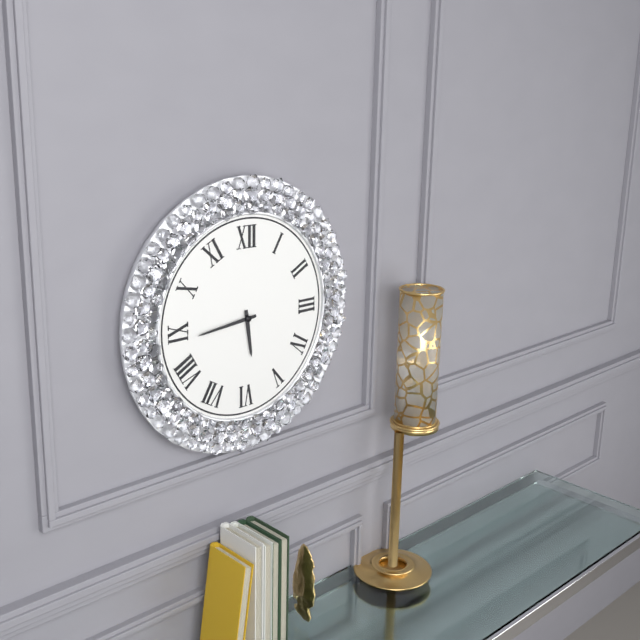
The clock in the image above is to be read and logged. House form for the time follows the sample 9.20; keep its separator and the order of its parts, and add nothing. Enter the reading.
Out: 5.44
